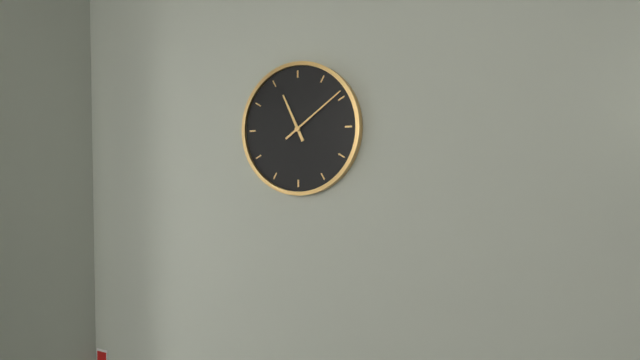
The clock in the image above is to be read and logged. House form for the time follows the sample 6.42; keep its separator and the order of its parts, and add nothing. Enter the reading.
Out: 11.09
